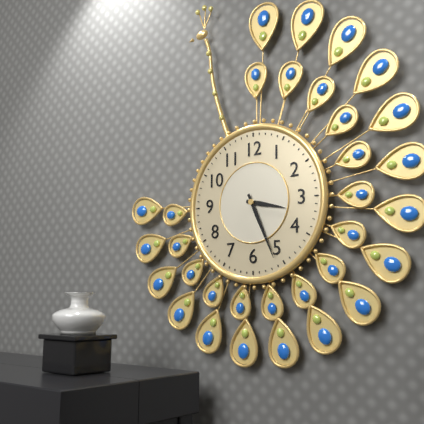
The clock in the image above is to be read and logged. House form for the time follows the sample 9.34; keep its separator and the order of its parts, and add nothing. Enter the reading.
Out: 3.26
